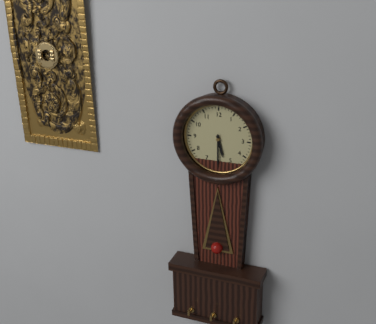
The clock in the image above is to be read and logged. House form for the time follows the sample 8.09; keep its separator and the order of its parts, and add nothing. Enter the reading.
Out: 5.30
